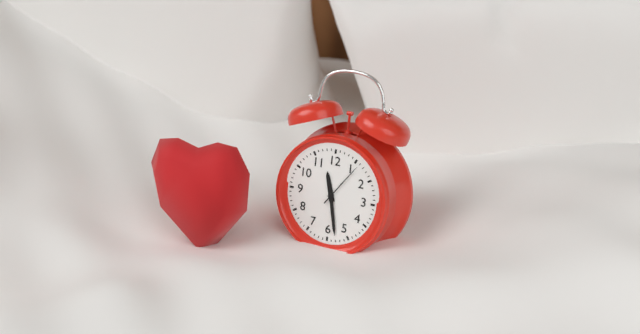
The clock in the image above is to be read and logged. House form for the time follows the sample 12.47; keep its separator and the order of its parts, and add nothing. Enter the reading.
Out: 11.28
